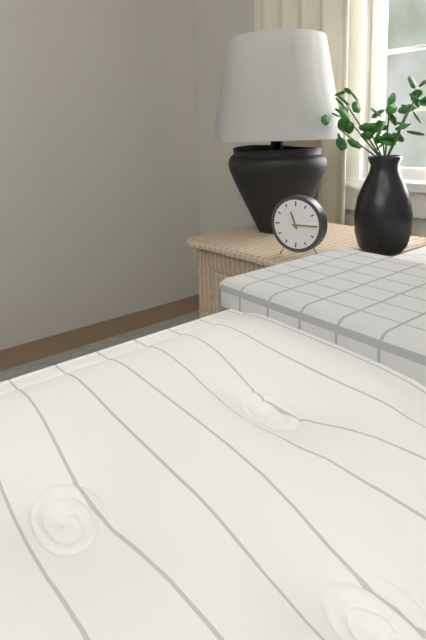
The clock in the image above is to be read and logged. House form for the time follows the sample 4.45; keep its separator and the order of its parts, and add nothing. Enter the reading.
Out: 11.15
